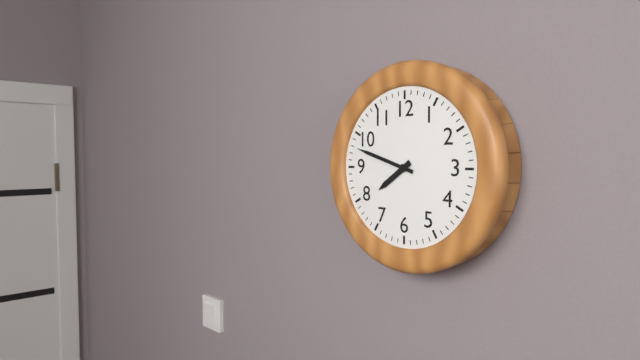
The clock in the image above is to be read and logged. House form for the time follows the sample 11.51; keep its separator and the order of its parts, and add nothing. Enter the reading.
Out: 7.48
